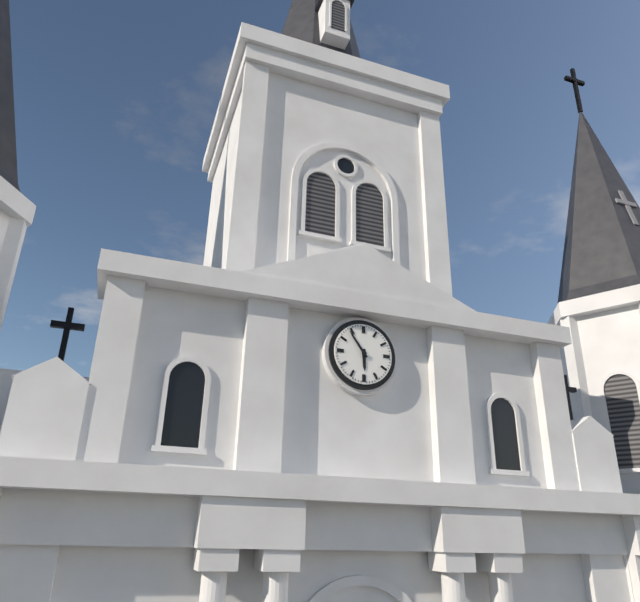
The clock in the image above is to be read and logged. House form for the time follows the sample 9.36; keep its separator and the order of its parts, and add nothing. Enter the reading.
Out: 5.54
